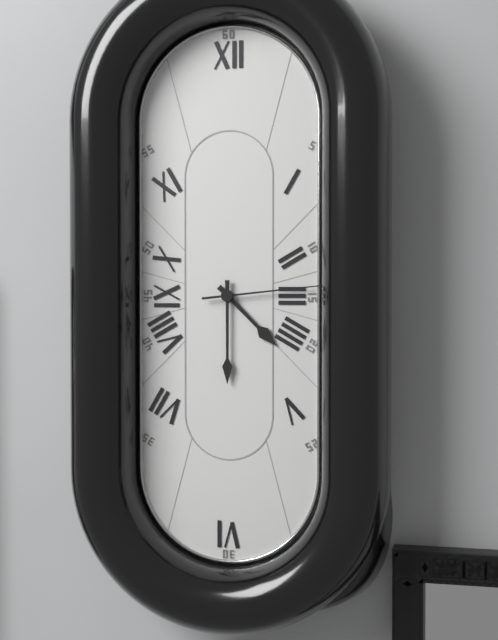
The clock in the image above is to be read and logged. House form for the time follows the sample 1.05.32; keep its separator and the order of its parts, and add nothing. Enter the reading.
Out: 4.30.14
